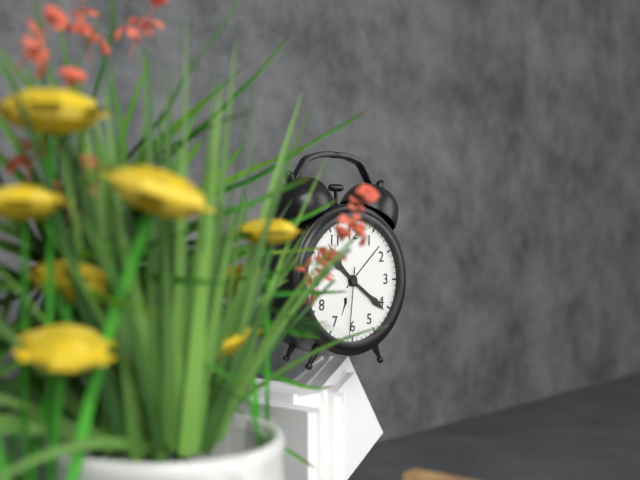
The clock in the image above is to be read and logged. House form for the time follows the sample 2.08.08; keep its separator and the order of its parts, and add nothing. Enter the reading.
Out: 10.21.31
